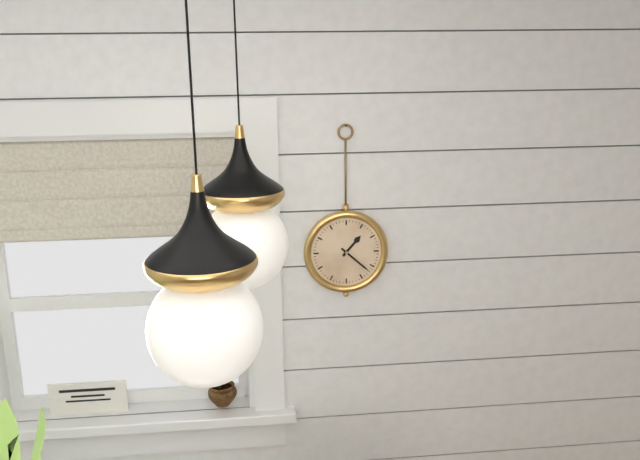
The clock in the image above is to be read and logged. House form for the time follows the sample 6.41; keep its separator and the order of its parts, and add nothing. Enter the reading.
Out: 1.22
